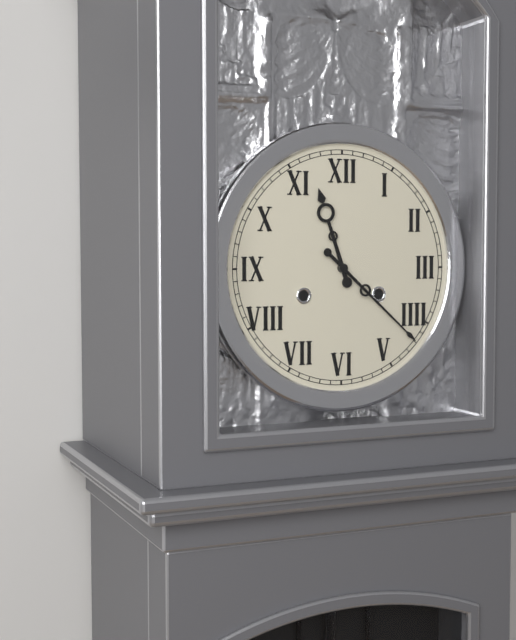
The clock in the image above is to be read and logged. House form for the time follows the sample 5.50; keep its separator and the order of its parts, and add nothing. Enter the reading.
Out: 11.22
